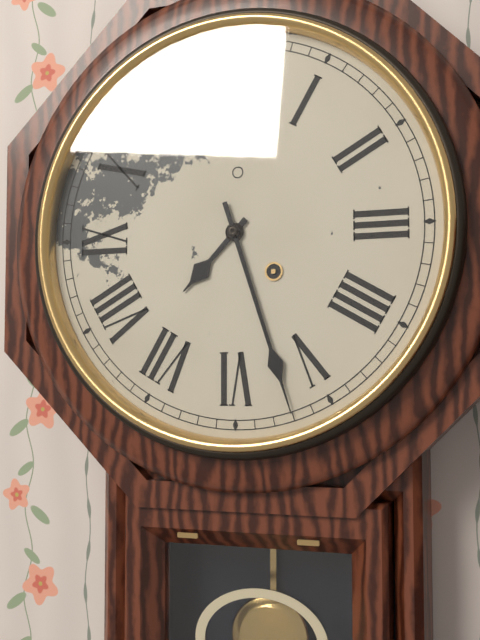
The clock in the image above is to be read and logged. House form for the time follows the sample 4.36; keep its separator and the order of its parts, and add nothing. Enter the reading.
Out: 7.27
